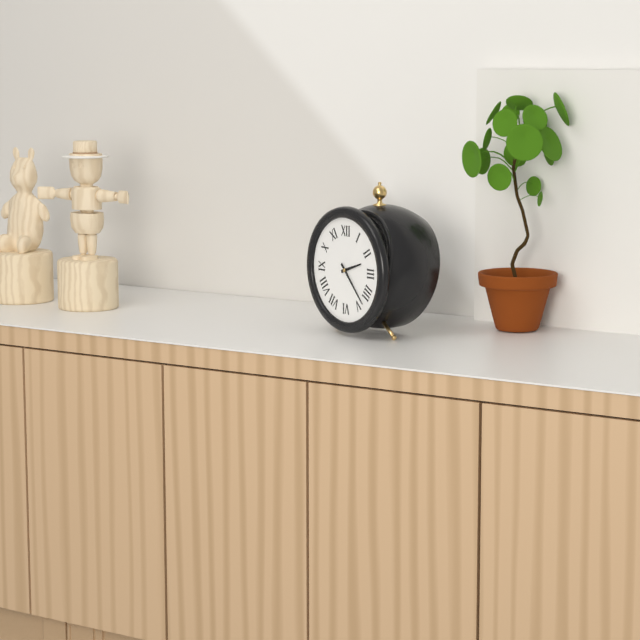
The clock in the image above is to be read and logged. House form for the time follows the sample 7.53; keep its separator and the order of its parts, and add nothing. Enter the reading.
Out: 2.23
